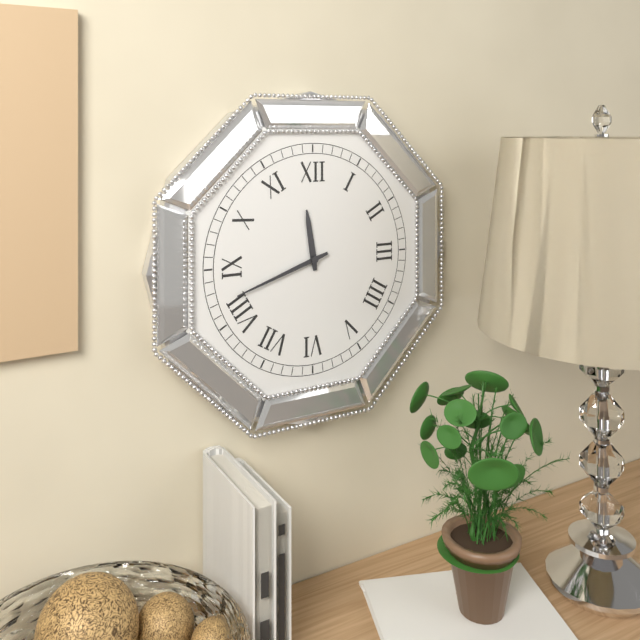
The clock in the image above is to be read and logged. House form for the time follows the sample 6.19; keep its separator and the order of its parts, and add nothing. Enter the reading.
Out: 11.42
